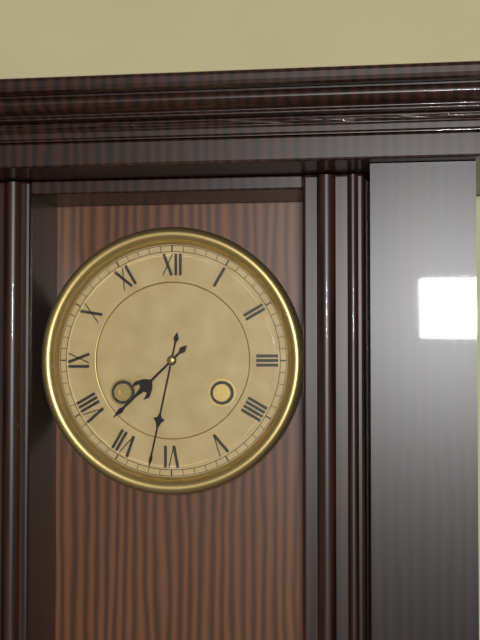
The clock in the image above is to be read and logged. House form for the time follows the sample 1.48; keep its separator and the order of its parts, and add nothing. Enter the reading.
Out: 7.32
